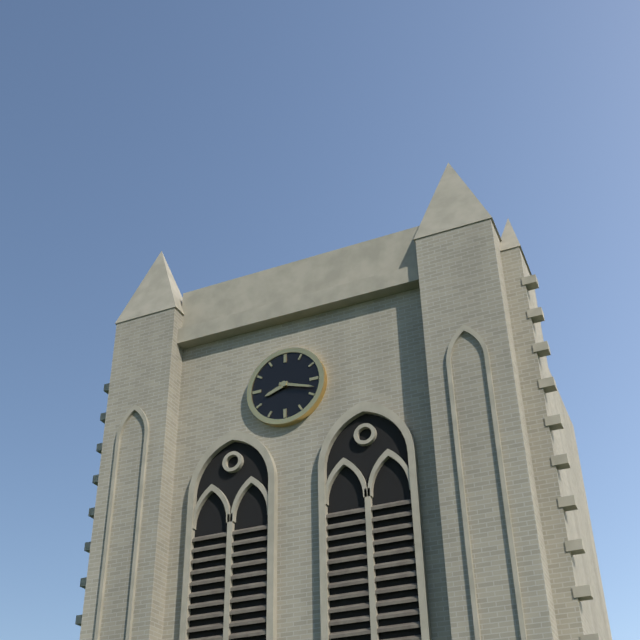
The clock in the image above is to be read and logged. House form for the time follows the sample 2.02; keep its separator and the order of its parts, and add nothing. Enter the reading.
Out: 8.18
